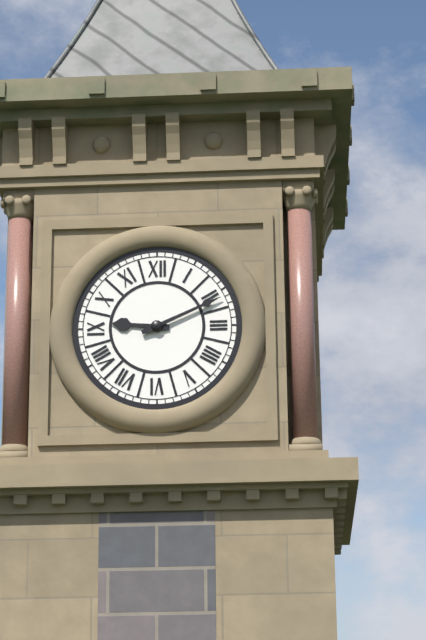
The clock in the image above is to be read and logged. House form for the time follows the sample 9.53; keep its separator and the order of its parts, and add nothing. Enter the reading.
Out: 9.11
